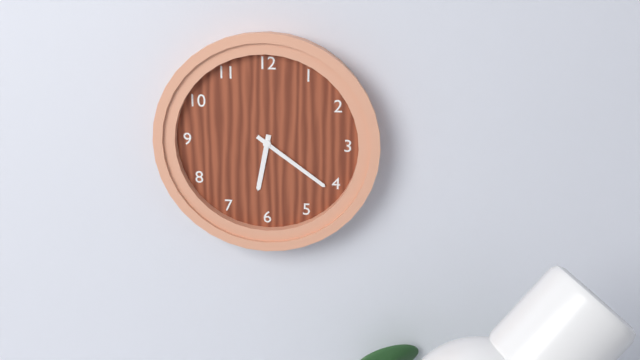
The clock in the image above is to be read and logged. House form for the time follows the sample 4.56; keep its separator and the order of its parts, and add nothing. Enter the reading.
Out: 6.21
